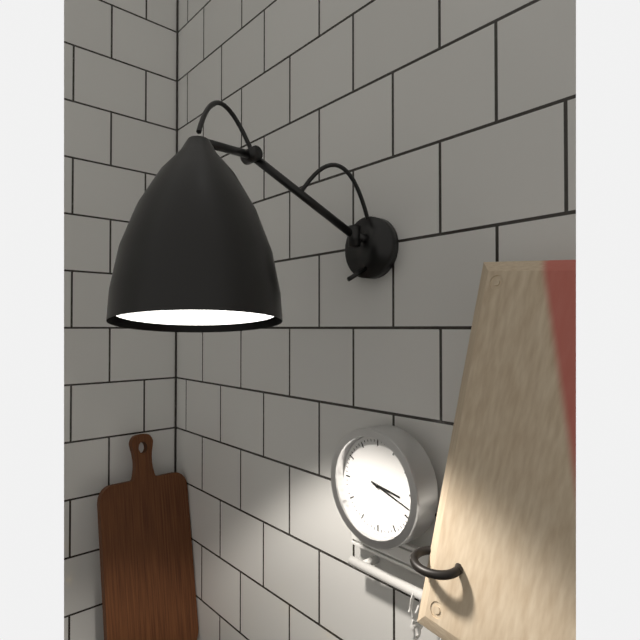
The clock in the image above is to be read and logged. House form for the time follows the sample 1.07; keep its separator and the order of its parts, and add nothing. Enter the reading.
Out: 3.18
